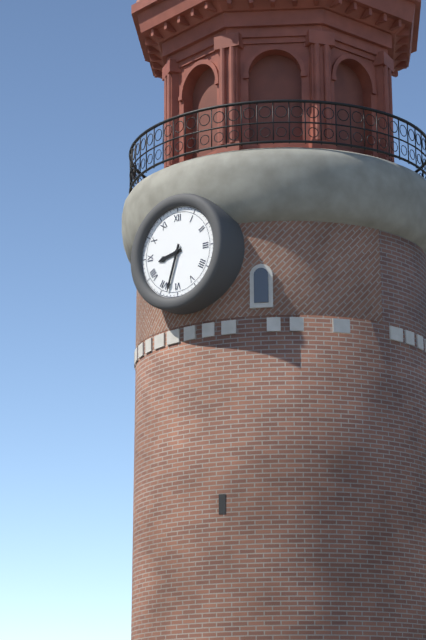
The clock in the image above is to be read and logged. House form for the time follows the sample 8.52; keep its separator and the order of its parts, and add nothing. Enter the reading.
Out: 8.33
